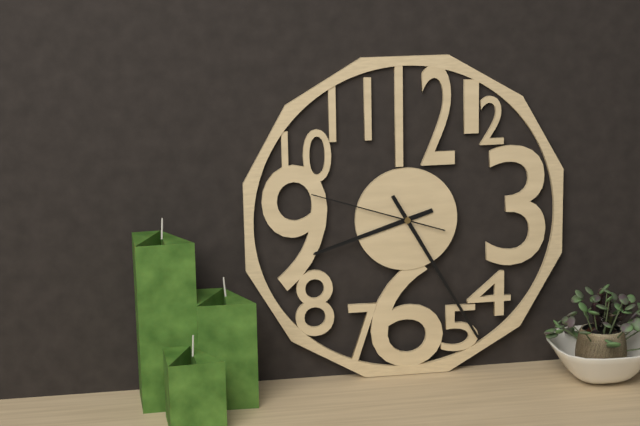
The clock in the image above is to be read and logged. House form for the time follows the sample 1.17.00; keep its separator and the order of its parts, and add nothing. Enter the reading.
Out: 8.25.48
